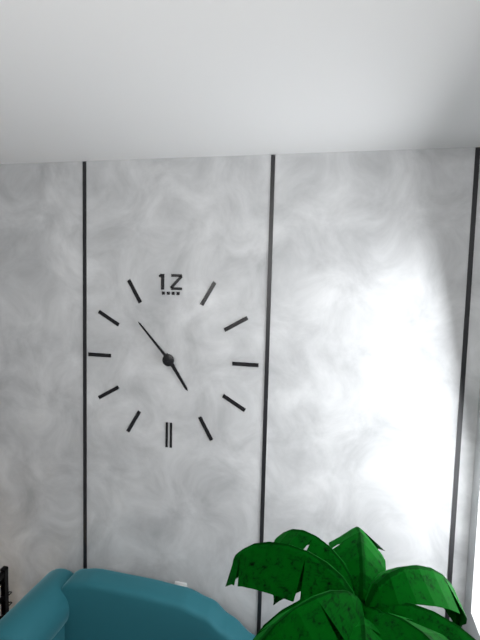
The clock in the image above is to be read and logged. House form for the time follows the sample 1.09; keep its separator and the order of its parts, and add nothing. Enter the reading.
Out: 4.53
